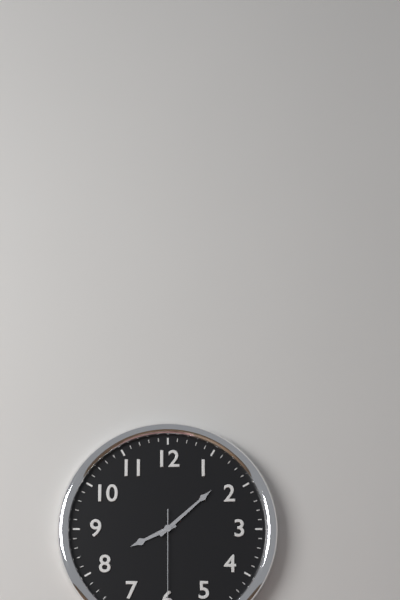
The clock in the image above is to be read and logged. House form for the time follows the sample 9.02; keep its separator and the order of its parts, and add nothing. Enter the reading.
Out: 8.08
